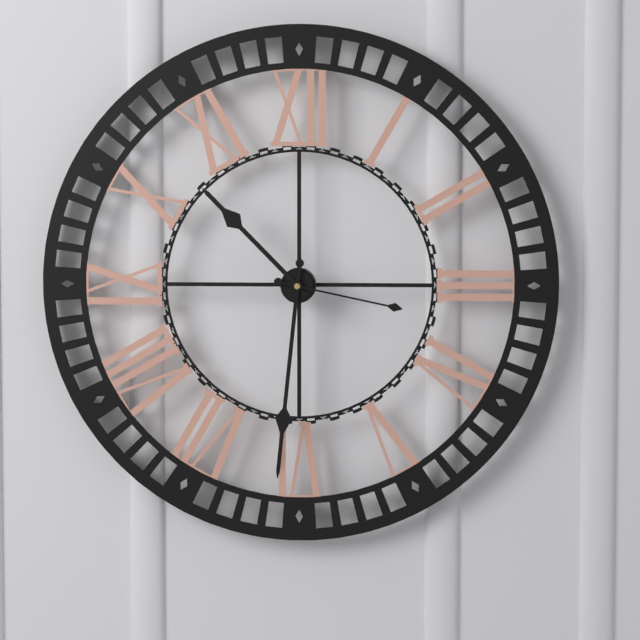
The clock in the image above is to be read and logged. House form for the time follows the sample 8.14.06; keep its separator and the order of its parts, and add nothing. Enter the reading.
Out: 10.31.17
